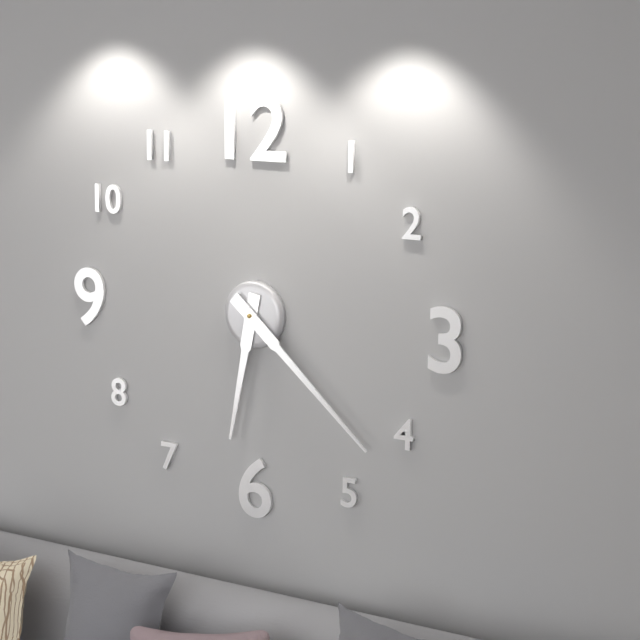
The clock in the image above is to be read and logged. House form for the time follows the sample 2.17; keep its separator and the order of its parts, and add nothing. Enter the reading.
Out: 6.22
